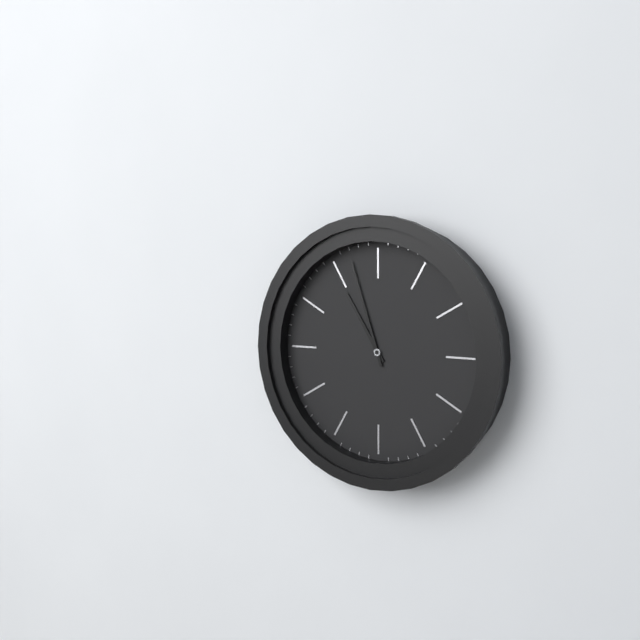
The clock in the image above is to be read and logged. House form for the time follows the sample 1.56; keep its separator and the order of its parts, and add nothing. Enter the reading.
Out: 10.57
